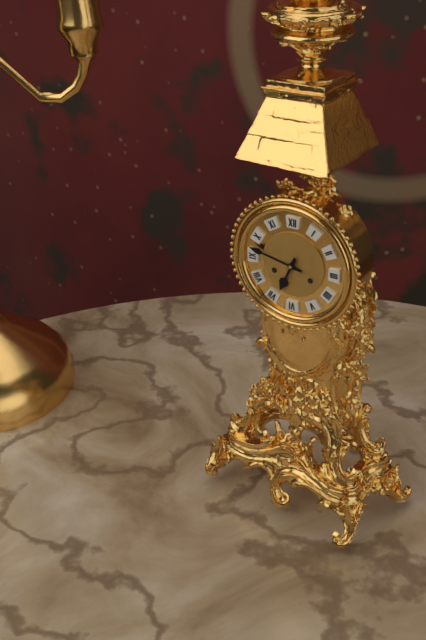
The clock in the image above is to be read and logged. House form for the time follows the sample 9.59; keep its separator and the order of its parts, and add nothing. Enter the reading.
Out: 6.47
